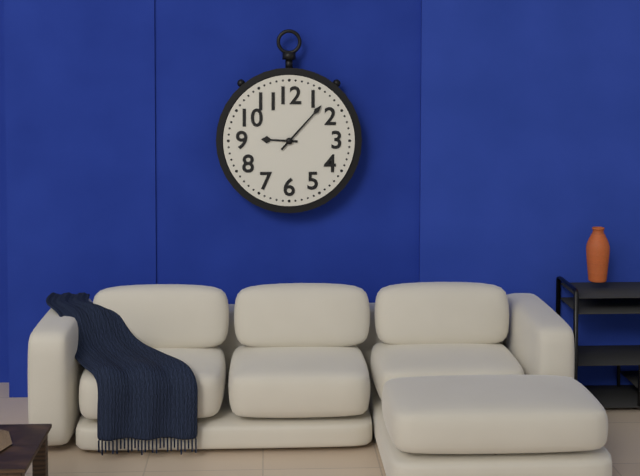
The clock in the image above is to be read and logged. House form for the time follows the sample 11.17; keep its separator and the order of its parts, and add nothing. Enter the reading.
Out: 9.07
